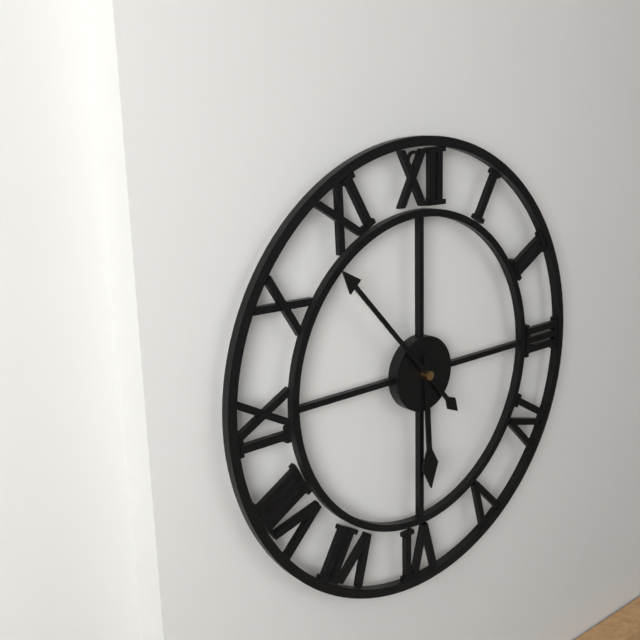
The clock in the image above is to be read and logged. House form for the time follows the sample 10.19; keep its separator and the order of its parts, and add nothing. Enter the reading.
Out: 5.53
